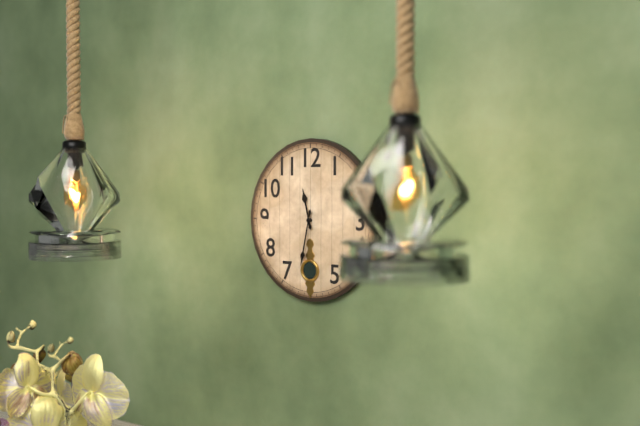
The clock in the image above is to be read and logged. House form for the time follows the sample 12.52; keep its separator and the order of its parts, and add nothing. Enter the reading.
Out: 11.32
